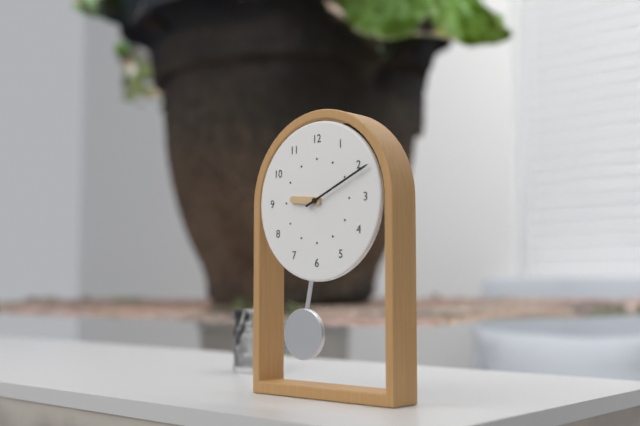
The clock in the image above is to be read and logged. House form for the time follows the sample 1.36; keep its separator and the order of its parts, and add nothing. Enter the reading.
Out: 9.11
